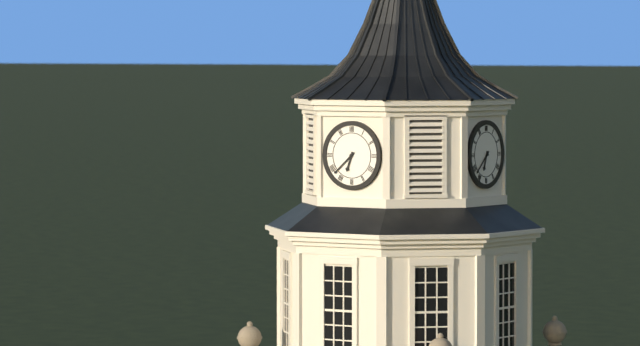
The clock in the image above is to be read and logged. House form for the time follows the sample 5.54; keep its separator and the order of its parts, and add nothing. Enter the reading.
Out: 6.38
